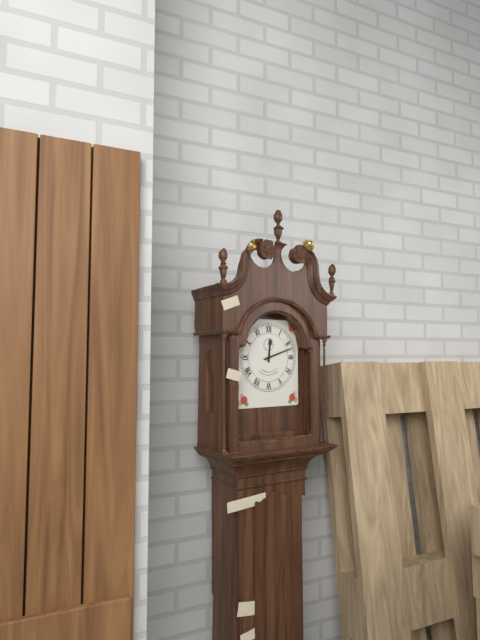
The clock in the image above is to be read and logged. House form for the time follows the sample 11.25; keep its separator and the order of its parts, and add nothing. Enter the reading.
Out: 12.12
